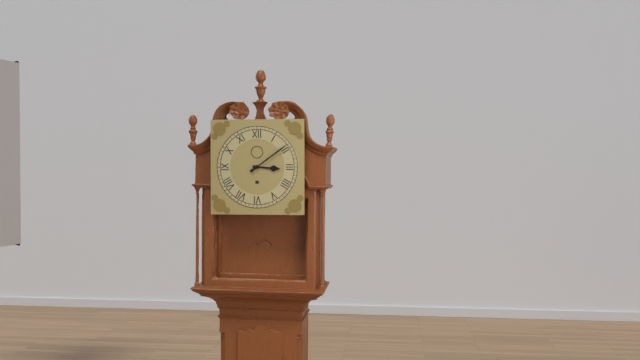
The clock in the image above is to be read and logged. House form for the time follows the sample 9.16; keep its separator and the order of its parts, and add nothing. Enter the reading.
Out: 3.09
